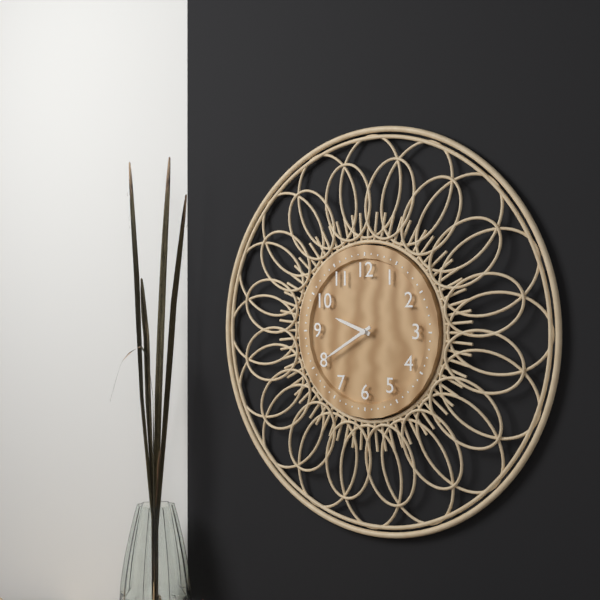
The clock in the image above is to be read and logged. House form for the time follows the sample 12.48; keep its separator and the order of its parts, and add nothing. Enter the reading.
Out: 9.40
